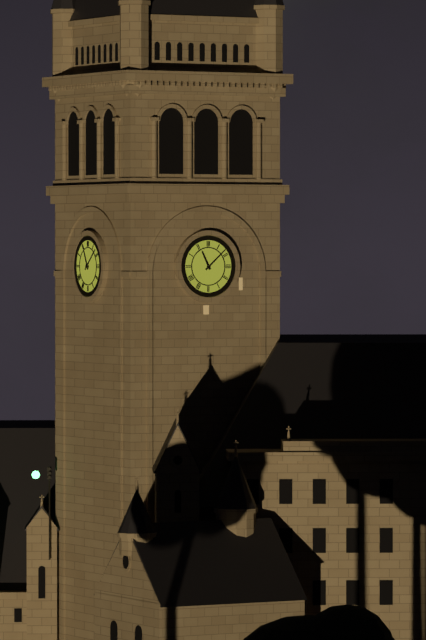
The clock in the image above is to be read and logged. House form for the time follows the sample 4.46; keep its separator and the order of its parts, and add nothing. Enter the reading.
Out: 11.08
